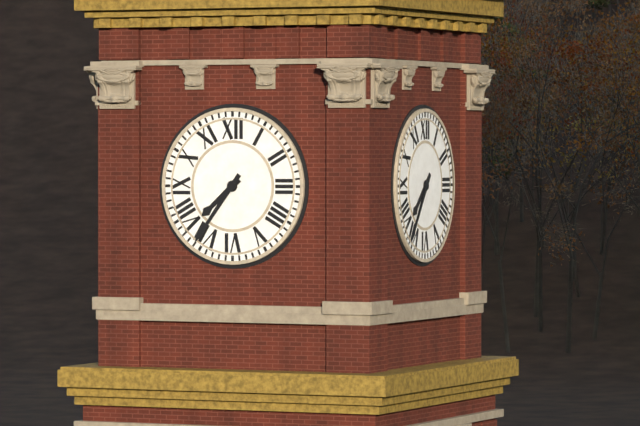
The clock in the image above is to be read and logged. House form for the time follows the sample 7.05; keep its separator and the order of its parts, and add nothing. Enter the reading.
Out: 7.36
